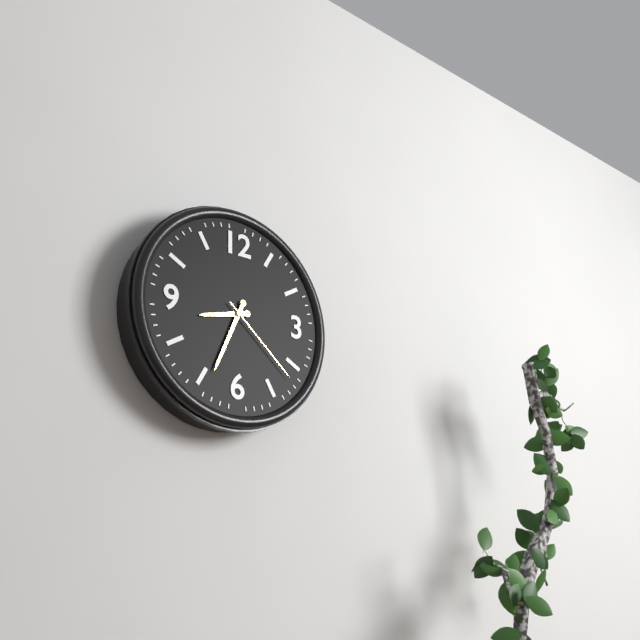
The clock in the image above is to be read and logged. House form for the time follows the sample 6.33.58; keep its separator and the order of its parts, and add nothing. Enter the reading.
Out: 8.34.22
